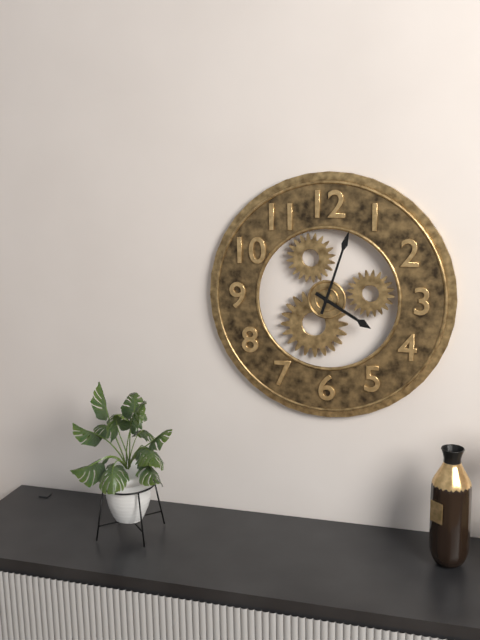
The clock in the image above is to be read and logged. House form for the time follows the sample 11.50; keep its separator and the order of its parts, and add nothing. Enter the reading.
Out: 4.03
